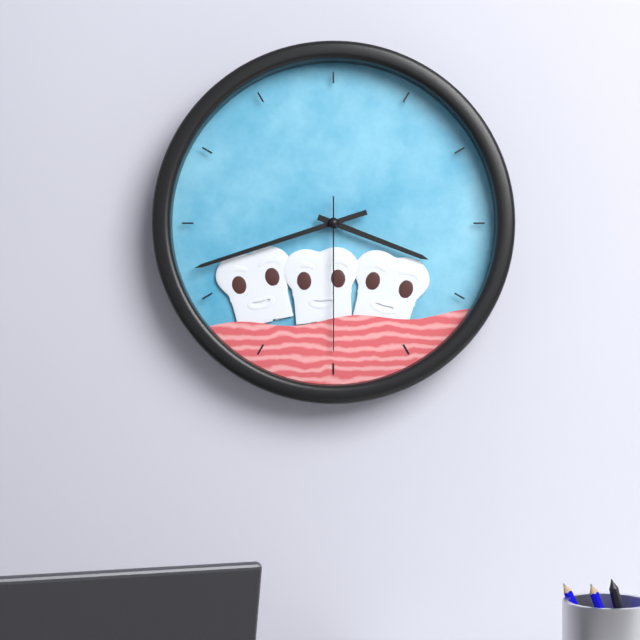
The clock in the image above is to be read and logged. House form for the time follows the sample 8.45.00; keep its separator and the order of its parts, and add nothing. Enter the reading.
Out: 3.42.30
